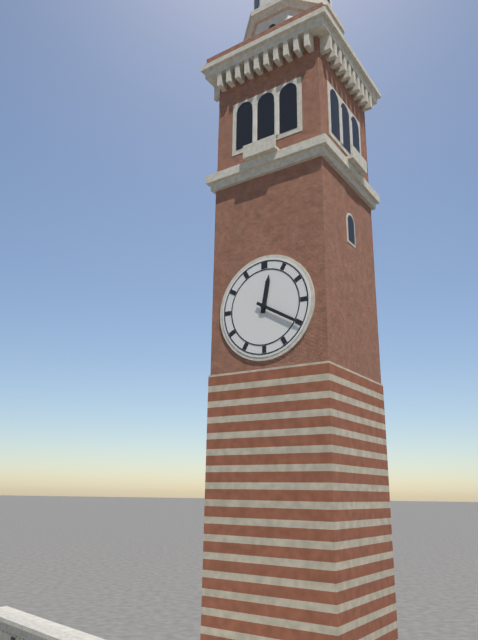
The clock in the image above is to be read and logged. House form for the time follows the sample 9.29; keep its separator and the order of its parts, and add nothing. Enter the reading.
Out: 12.20
